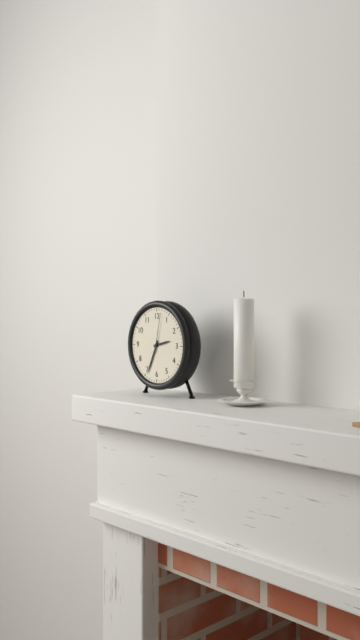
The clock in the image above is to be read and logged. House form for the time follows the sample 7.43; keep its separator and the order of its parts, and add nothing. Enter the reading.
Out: 2.34
